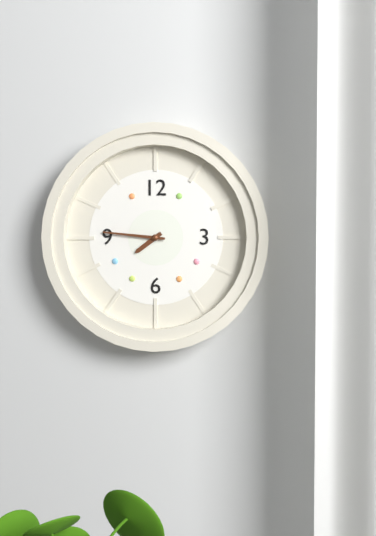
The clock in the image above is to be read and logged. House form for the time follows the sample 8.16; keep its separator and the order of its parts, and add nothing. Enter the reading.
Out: 7.46
